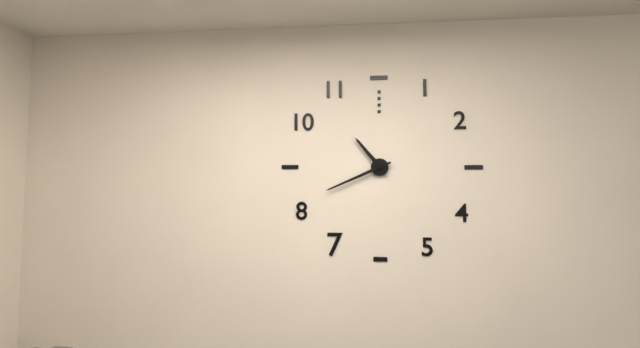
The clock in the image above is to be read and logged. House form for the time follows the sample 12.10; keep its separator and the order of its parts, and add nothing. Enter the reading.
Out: 10.41
